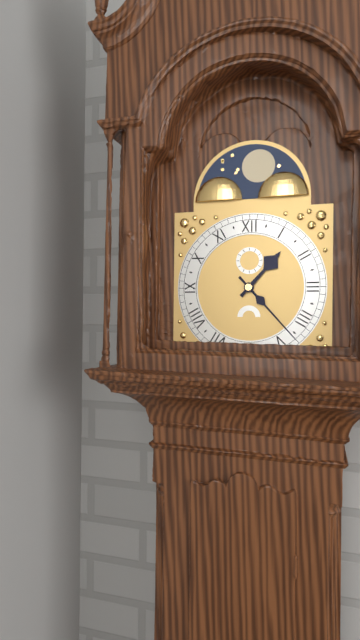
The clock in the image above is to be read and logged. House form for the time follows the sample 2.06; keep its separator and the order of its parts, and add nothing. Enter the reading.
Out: 1.23
